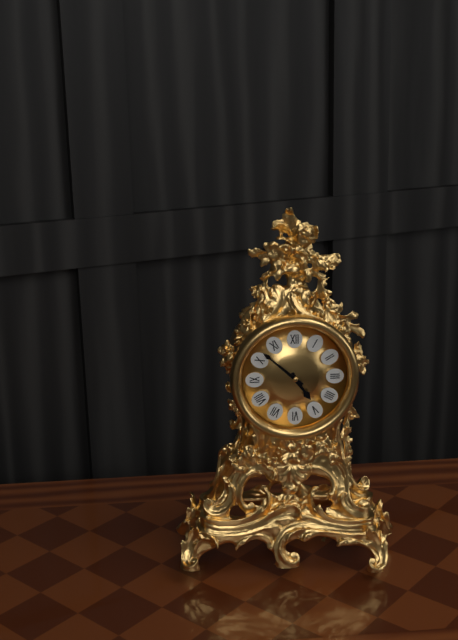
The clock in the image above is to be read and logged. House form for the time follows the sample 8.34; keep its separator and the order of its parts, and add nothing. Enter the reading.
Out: 4.52
